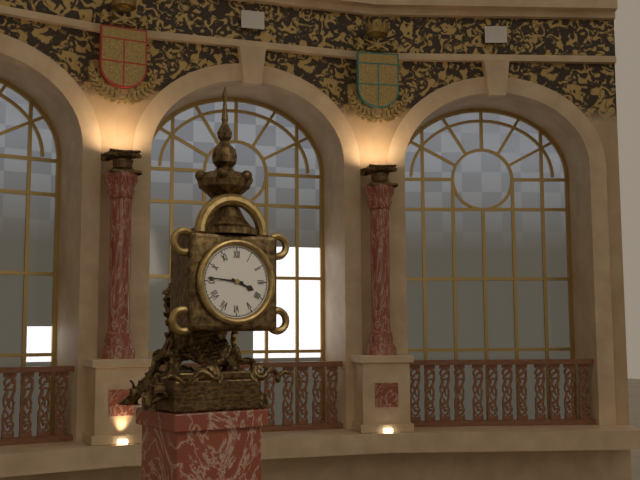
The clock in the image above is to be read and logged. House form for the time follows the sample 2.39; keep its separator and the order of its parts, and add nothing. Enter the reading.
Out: 3.46
